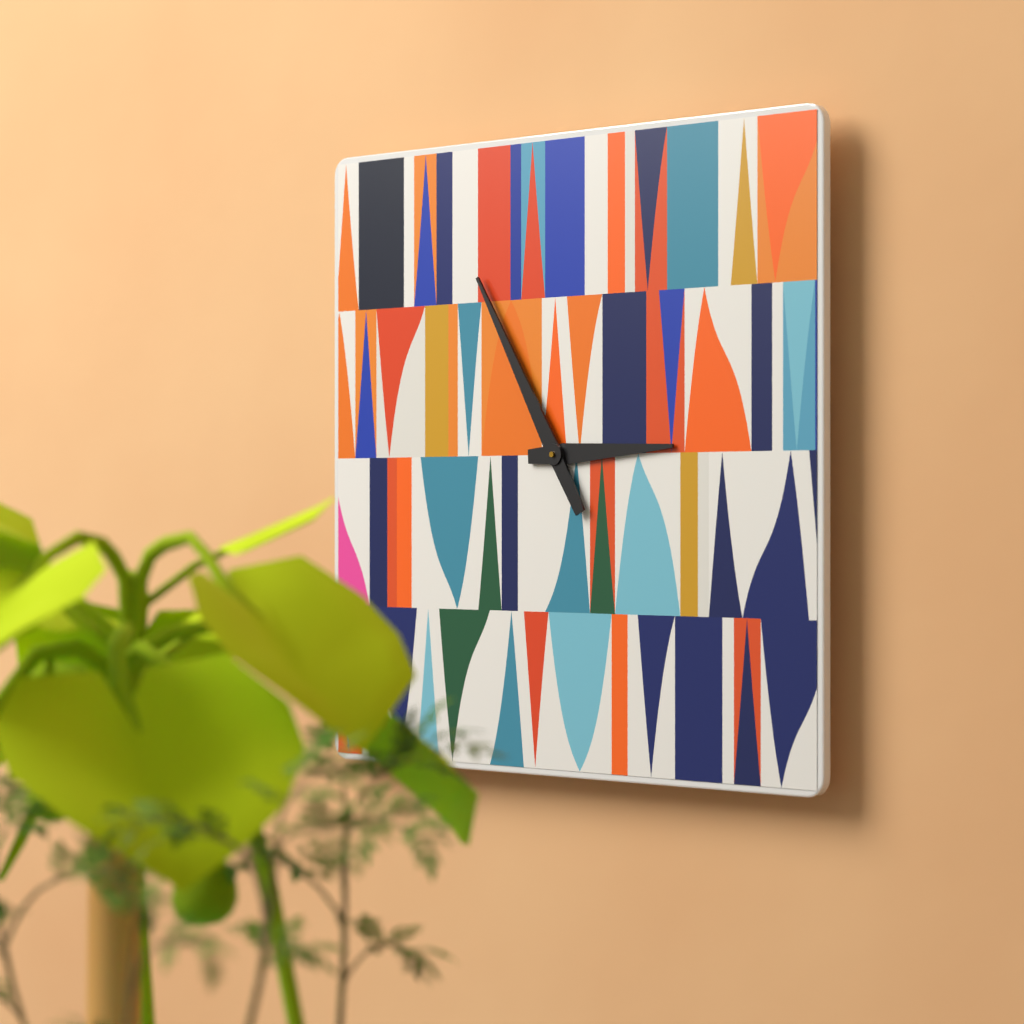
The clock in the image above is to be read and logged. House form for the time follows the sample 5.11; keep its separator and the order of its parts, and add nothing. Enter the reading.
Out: 2.55
